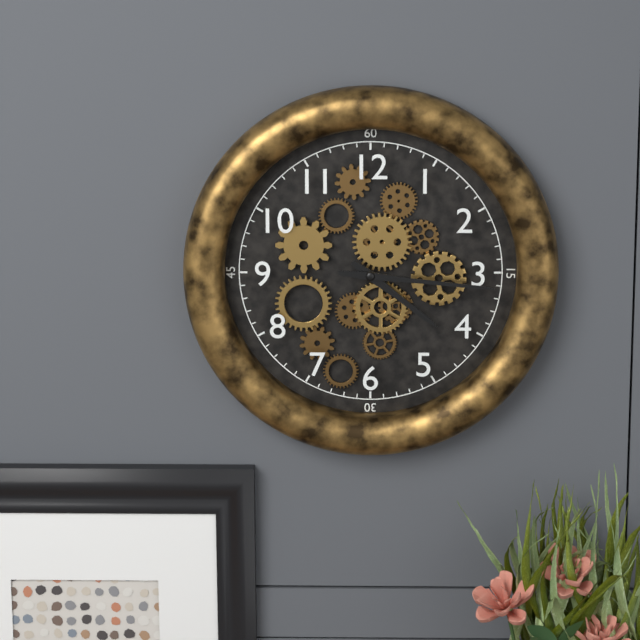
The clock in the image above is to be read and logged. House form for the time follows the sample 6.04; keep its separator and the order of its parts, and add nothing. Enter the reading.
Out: 4.16
